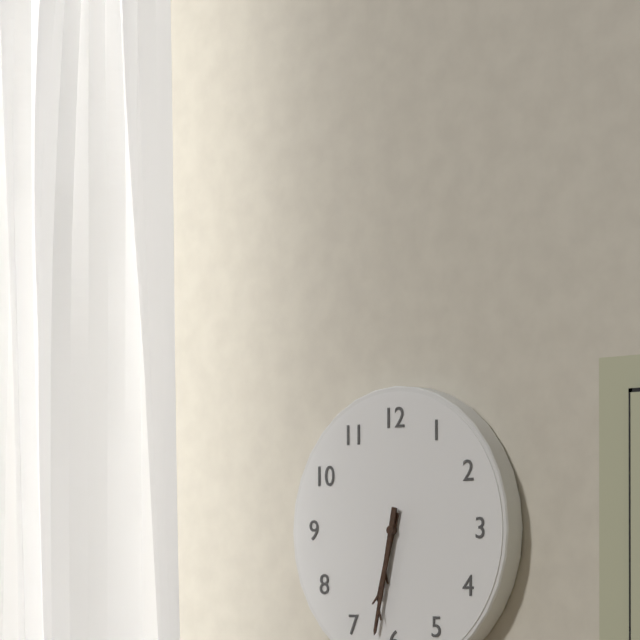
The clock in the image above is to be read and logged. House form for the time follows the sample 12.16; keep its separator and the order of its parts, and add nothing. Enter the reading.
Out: 6.32
